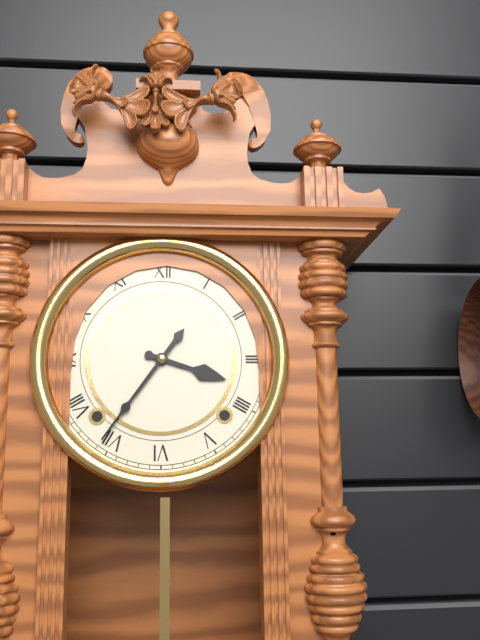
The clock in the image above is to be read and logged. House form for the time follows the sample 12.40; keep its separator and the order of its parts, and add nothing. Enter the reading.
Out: 3.36
